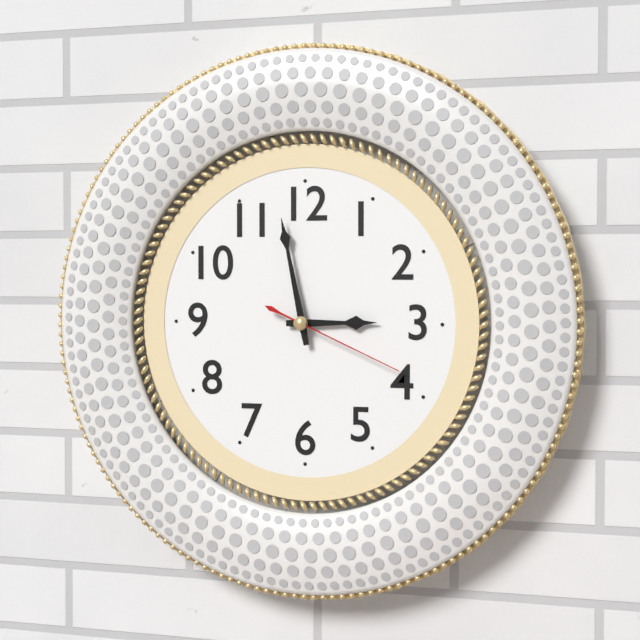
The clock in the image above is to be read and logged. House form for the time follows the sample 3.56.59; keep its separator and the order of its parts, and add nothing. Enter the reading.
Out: 2.58.19
